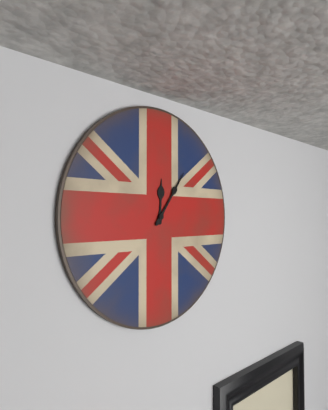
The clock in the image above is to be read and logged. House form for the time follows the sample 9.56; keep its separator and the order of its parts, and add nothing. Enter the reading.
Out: 12.06
